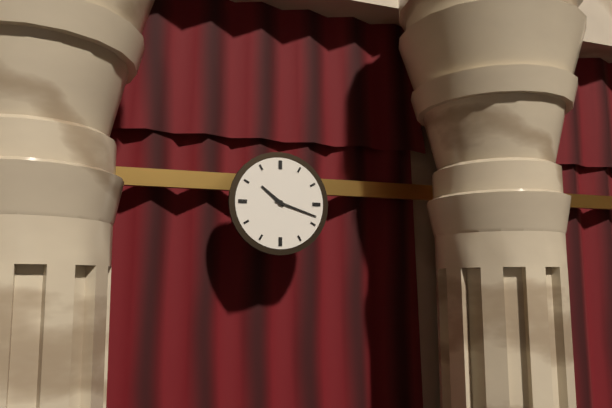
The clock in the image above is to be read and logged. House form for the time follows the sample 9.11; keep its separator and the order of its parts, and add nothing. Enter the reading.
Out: 10.18
